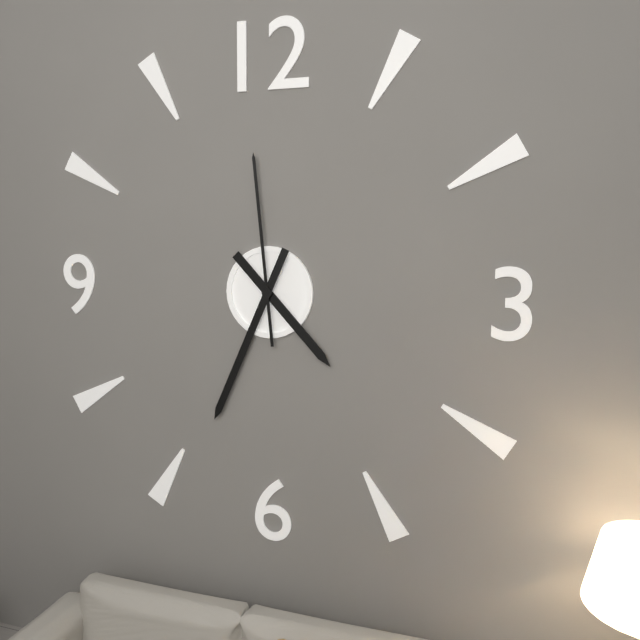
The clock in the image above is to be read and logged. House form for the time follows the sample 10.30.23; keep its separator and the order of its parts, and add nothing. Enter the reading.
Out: 4.34.59
